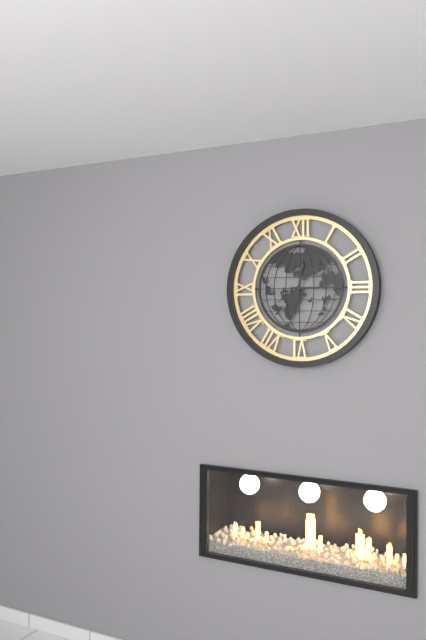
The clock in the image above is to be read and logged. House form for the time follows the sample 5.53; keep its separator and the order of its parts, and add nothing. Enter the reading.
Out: 12.15
